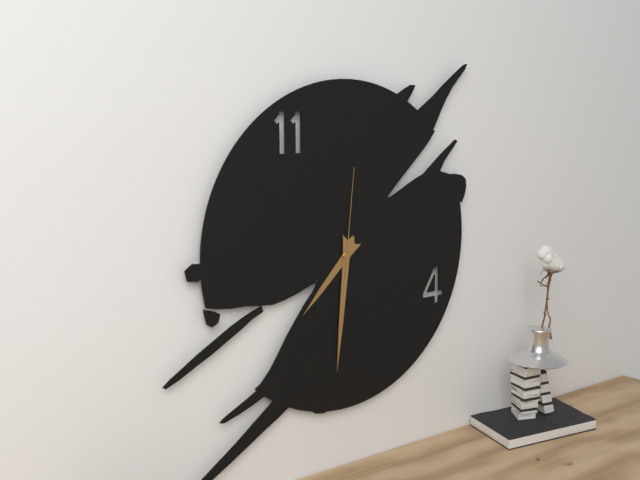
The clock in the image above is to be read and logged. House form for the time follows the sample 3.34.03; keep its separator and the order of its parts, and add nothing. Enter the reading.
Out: 7.31.01
